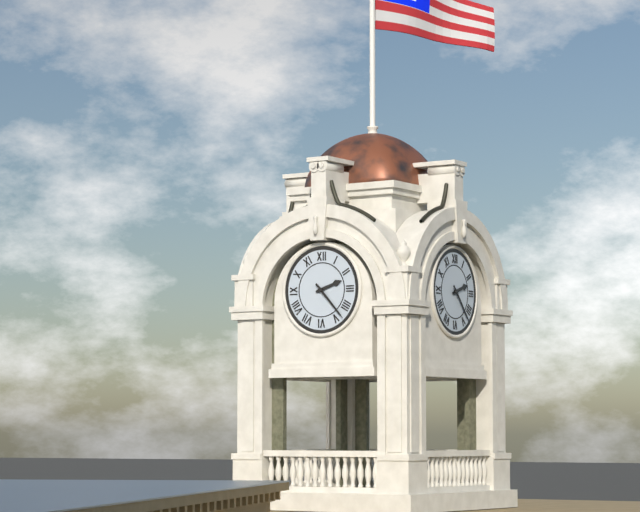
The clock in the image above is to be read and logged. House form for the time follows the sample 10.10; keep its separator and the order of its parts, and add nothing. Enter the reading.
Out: 2.23
